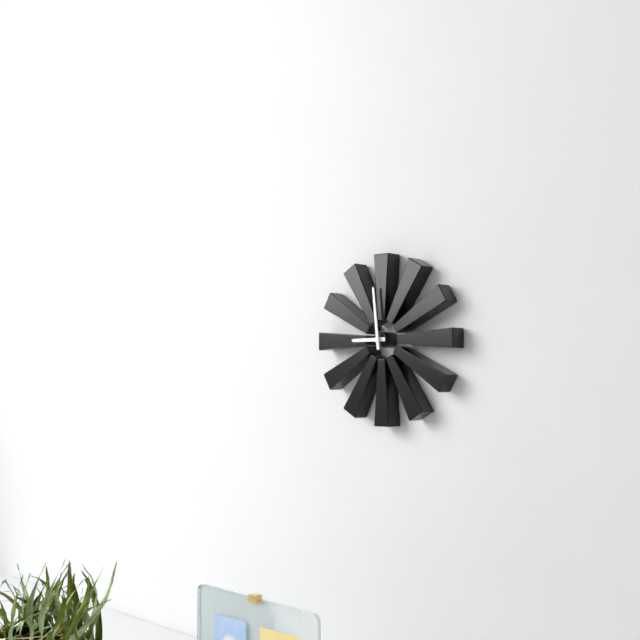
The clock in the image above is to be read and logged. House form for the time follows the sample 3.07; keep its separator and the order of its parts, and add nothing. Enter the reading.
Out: 8.59
